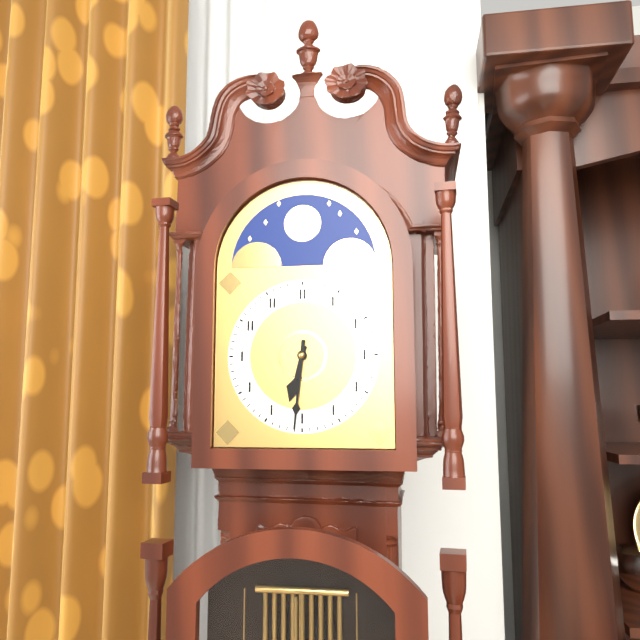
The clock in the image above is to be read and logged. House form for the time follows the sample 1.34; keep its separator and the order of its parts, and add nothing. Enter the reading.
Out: 6.31
